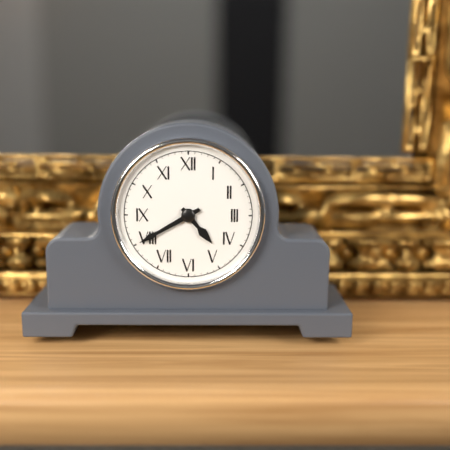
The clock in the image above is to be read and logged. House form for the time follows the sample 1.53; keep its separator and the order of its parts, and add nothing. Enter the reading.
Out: 4.40
